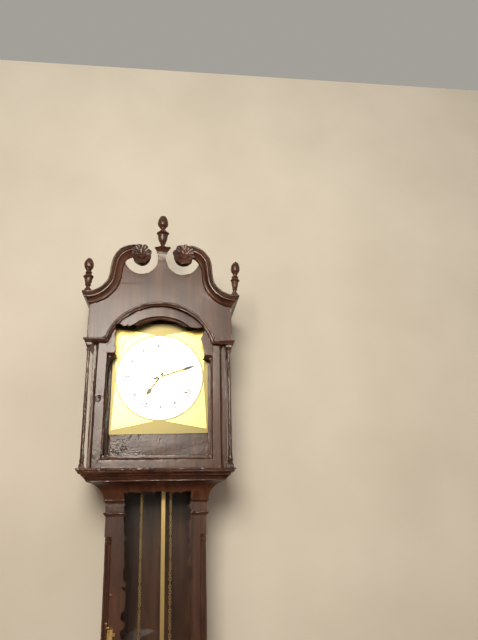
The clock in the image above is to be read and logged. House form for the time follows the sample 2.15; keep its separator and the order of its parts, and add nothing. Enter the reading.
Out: 7.12
